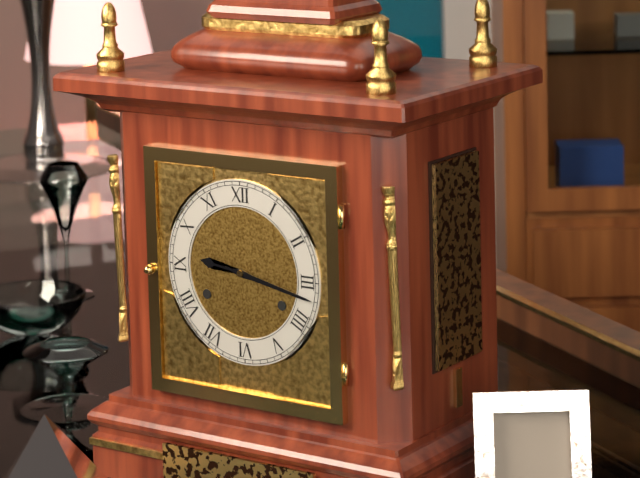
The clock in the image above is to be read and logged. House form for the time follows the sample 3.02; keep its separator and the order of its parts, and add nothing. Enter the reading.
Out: 9.17
